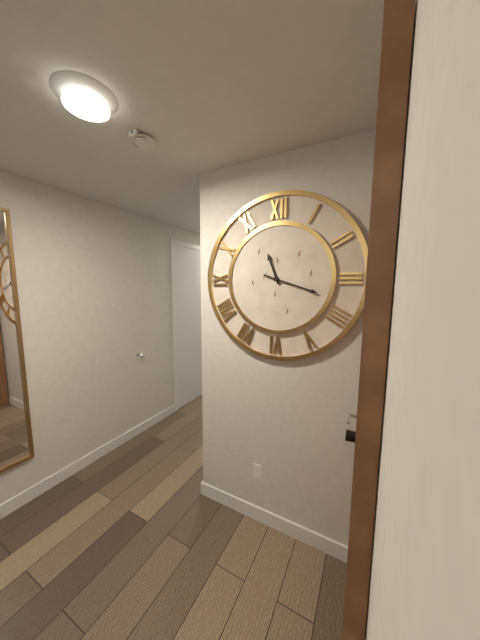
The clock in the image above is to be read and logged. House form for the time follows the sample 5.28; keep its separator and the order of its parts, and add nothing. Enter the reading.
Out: 11.18
